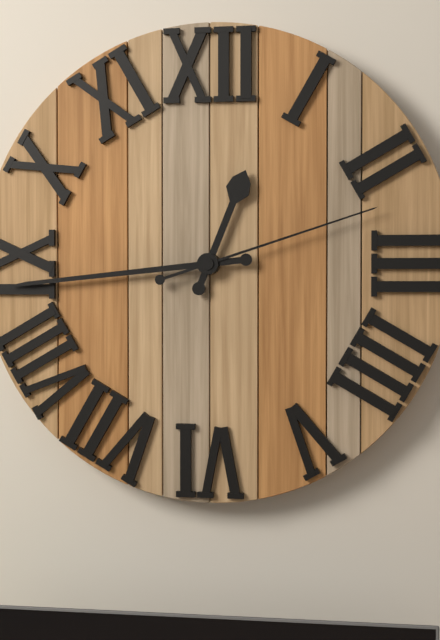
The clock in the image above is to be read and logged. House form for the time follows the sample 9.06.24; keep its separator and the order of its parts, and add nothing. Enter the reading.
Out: 12.44.12
